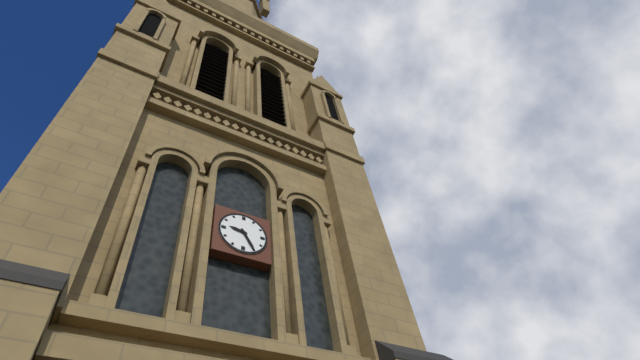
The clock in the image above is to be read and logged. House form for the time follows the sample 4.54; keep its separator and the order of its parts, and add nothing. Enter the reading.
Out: 9.25
